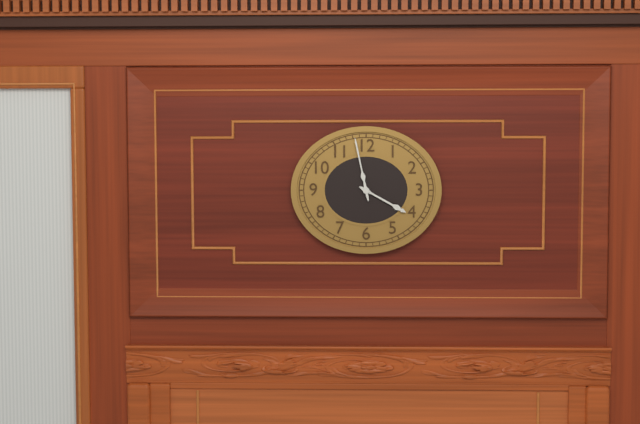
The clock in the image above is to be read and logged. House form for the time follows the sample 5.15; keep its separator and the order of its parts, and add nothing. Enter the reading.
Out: 3.58
